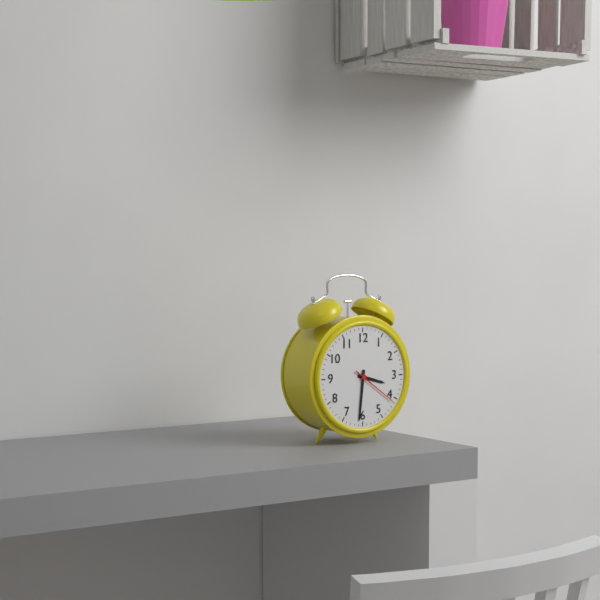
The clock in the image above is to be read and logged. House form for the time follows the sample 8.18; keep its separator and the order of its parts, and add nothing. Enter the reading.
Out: 3.31
